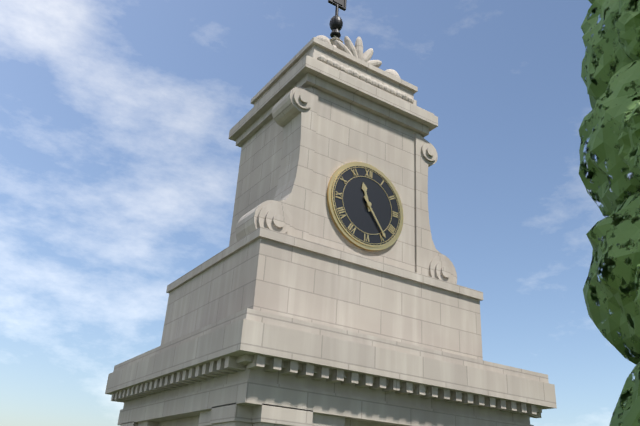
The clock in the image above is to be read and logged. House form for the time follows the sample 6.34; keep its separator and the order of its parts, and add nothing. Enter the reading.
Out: 11.24
